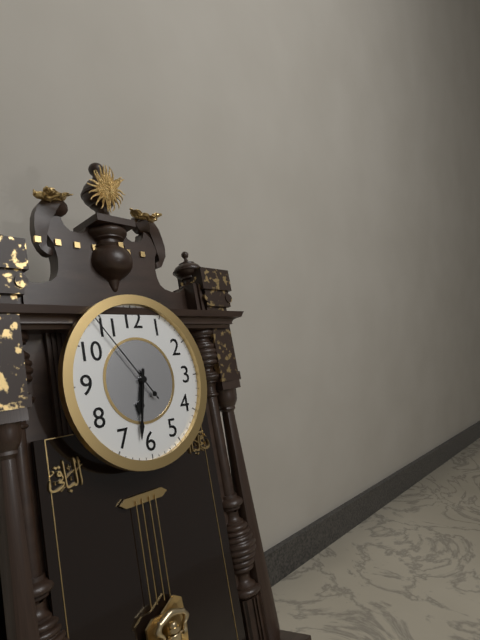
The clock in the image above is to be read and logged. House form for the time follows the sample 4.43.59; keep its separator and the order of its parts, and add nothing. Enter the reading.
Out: 6.32.54
